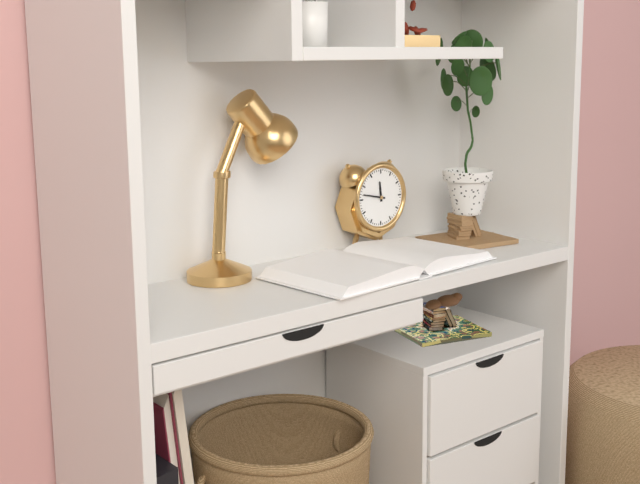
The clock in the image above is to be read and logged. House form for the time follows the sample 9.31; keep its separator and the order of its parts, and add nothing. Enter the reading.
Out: 11.47
